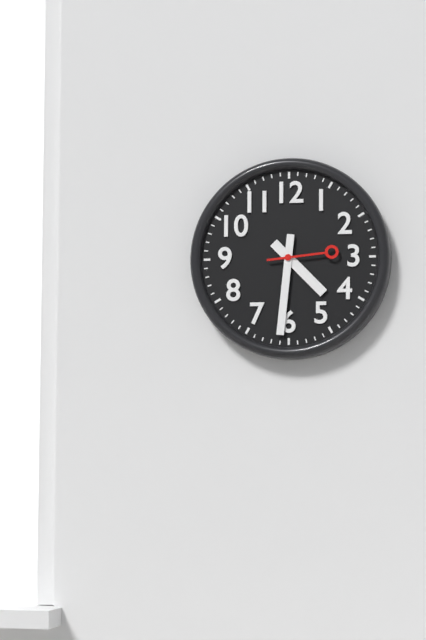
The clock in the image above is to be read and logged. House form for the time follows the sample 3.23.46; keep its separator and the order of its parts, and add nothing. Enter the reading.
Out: 4.31.14
